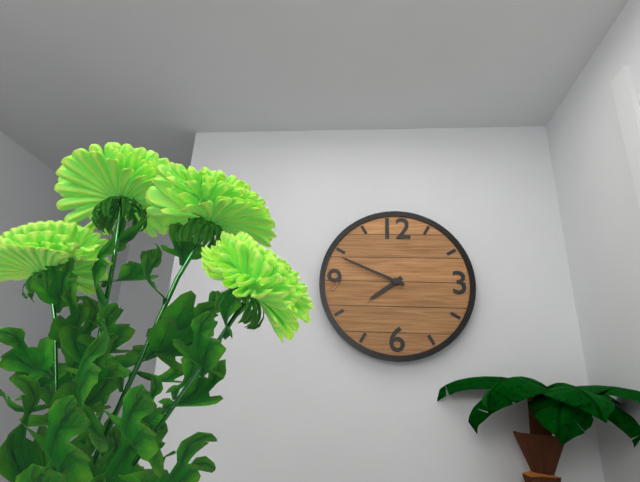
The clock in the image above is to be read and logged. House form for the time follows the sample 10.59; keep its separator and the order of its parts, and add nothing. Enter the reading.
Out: 7.49
